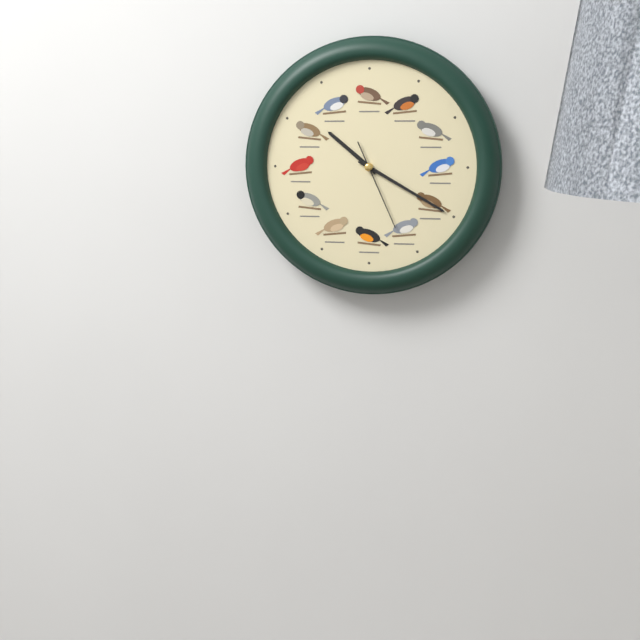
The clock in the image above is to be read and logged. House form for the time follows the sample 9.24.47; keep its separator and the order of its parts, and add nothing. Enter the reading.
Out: 10.20.26
